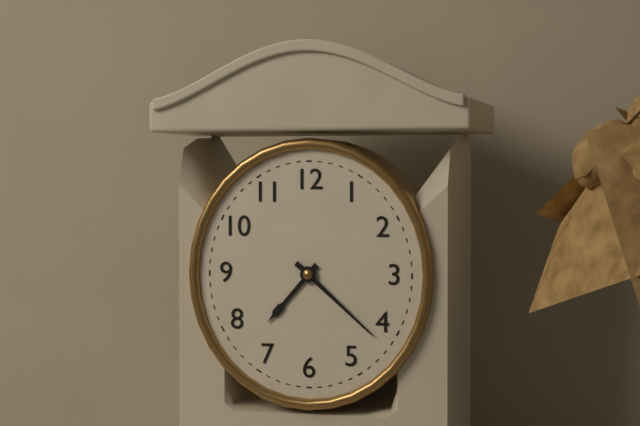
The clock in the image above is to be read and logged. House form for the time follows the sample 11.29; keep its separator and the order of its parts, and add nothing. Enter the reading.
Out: 7.22
